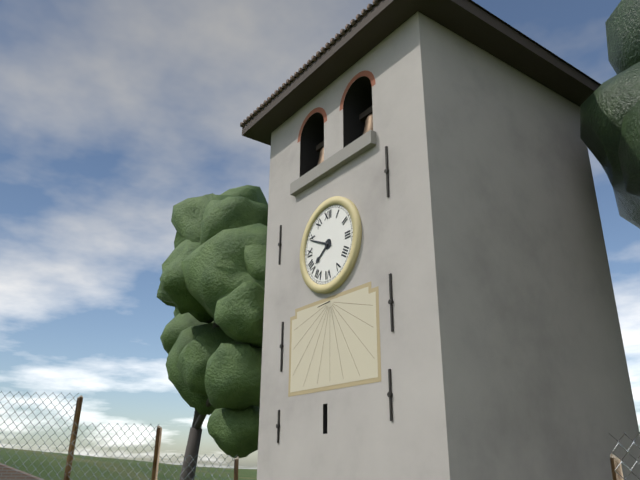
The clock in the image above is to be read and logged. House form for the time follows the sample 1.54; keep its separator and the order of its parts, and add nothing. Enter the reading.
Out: 7.49
